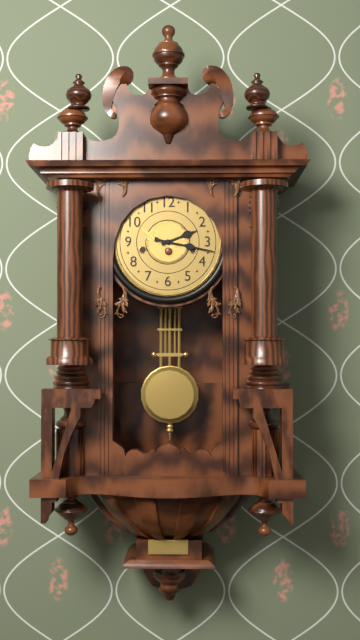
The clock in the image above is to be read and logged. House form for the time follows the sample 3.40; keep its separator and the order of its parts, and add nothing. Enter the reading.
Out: 2.17
